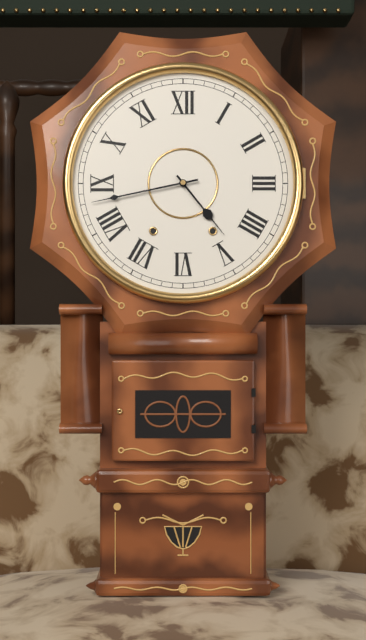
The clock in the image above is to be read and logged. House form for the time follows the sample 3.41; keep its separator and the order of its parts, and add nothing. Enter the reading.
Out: 4.43
